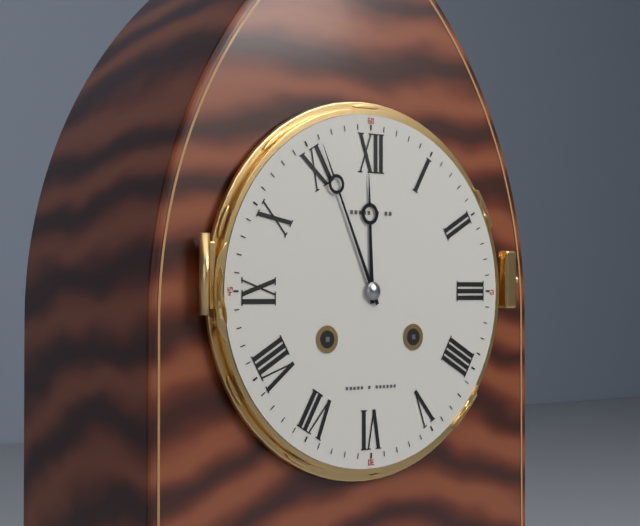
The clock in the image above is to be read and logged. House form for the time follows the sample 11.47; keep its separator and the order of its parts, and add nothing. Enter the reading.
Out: 11.56
